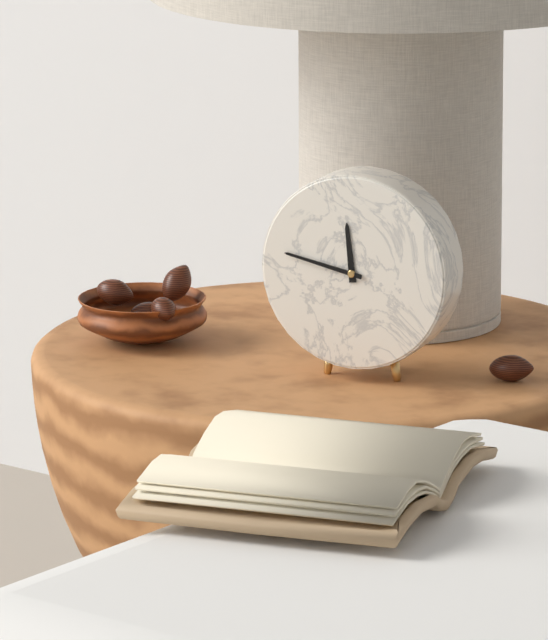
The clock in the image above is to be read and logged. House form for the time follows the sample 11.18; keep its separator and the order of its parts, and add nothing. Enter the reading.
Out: 11.47
